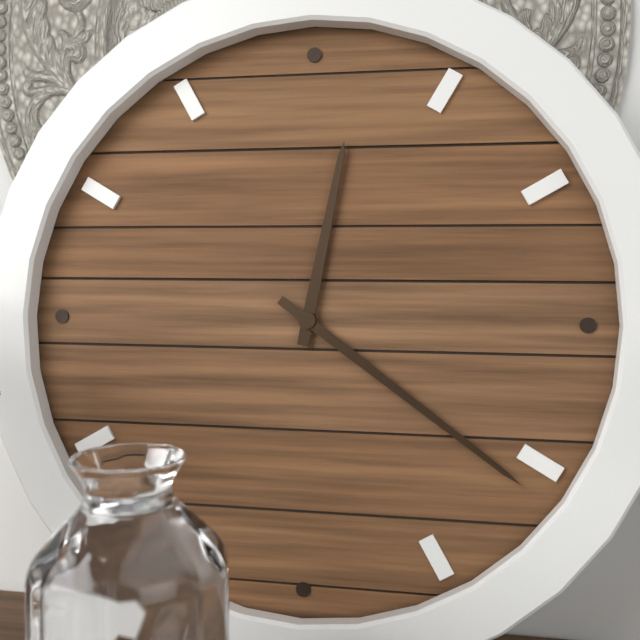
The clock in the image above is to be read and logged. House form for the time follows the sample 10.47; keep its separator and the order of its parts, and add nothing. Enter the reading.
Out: 12.21
